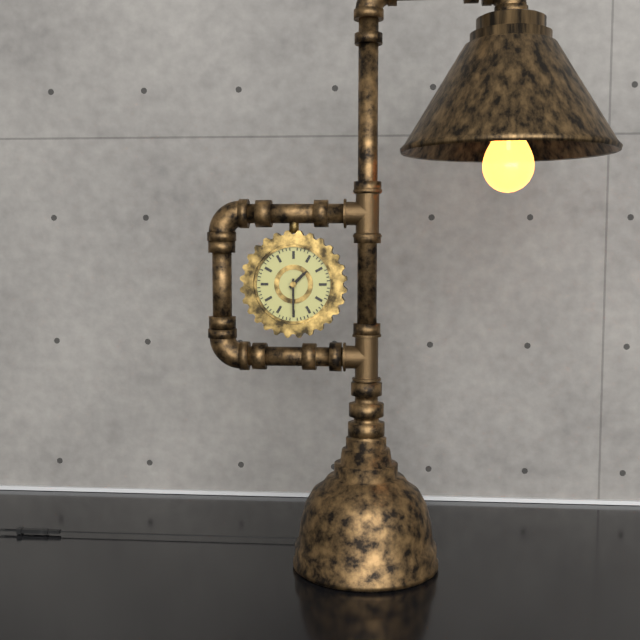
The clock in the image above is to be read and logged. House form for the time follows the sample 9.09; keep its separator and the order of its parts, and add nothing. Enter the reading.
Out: 1.30
